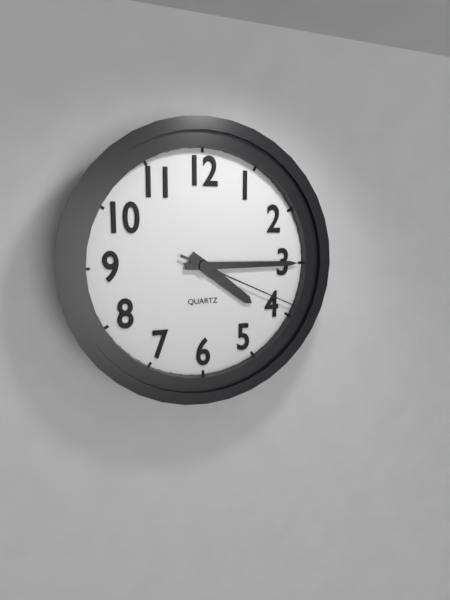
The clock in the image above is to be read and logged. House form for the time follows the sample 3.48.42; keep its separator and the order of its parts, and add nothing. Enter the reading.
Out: 4.15.19
